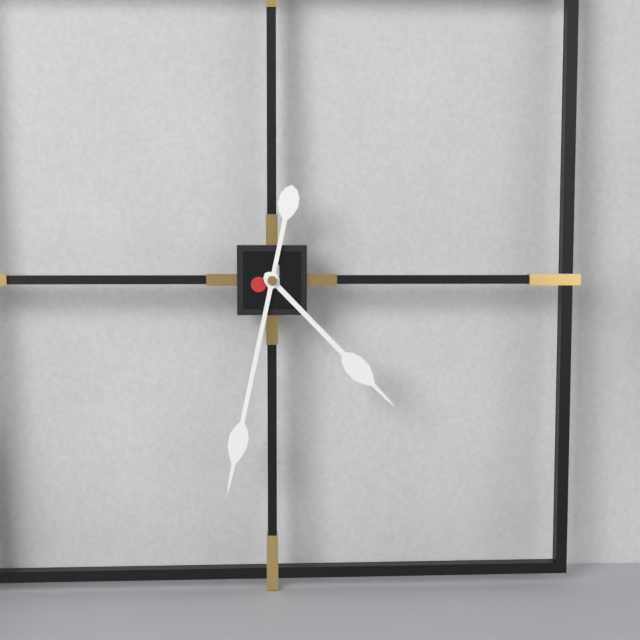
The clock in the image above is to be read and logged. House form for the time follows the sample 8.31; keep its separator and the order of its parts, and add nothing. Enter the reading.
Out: 4.32
